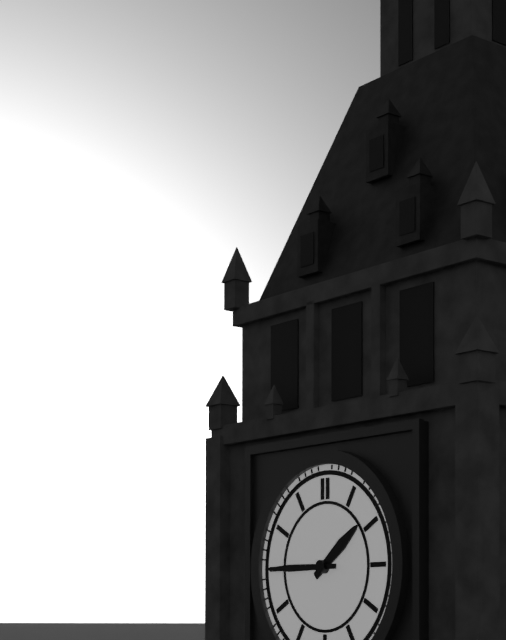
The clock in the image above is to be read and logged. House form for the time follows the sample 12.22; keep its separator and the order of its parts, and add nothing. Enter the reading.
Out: 1.45
